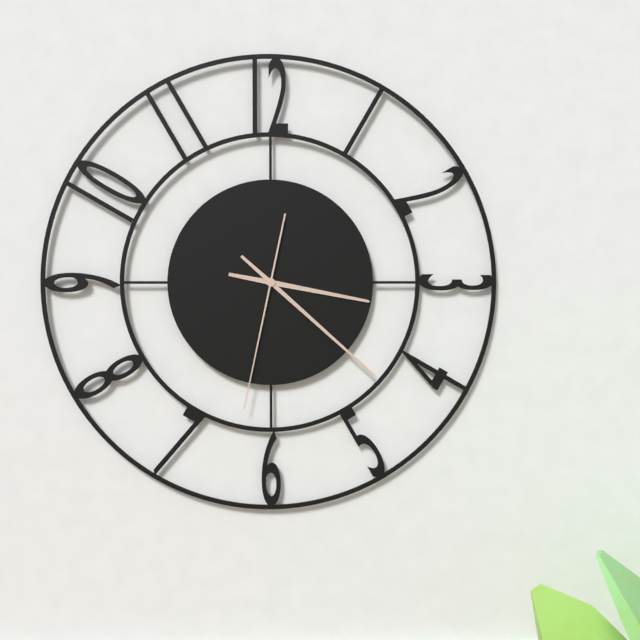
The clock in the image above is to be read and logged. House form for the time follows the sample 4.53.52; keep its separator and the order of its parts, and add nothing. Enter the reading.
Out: 3.22.32
